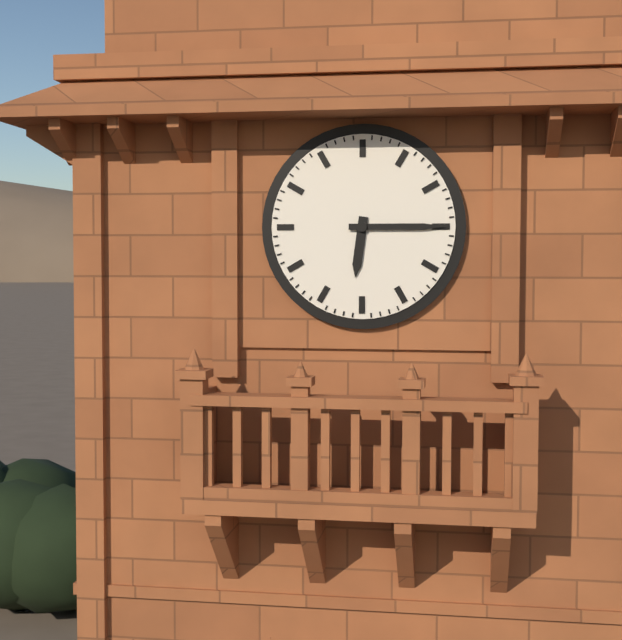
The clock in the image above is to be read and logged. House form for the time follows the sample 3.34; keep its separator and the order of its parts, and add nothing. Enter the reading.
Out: 6.15
